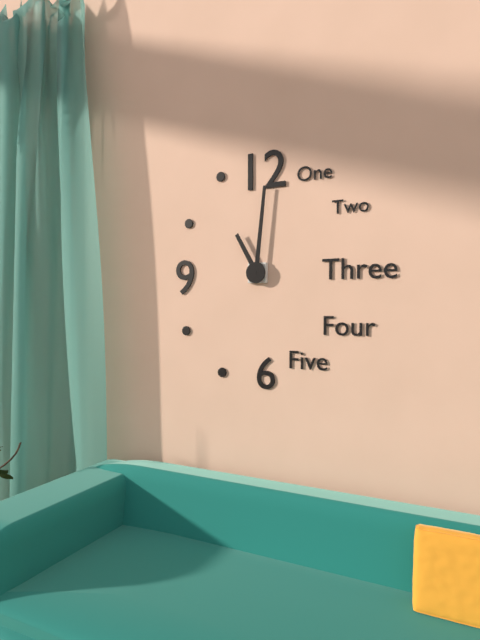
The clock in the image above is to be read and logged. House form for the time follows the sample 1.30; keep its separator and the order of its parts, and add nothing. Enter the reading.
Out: 11.01
